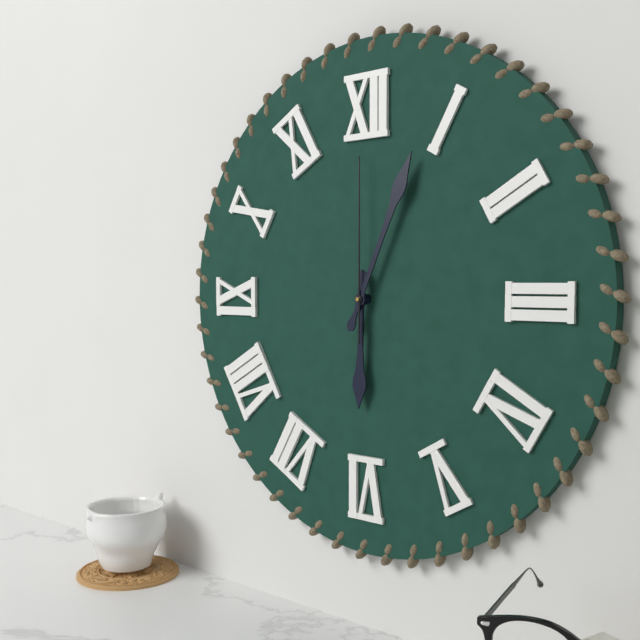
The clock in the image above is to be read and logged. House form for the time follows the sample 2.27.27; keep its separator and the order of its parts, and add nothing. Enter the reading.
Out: 6.04.00
